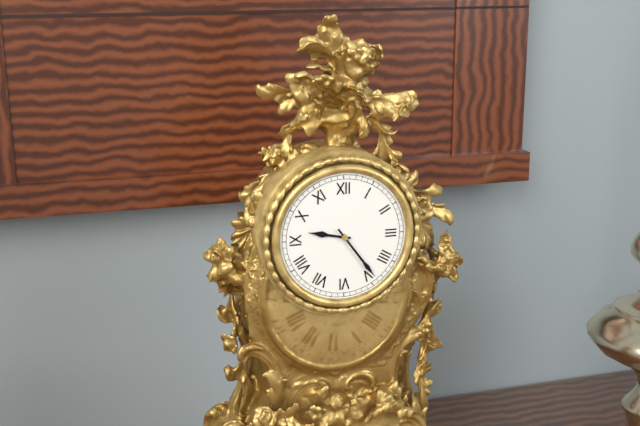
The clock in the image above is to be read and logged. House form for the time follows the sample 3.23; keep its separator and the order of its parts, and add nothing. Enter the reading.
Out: 9.24
